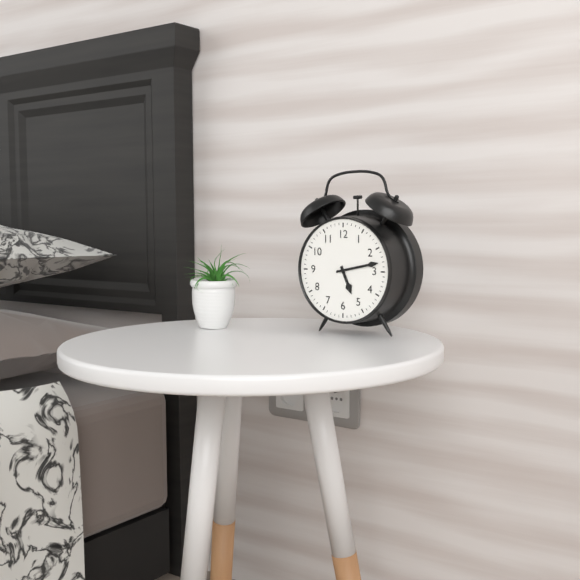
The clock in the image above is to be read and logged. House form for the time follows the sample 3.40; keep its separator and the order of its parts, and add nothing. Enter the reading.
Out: 5.13
